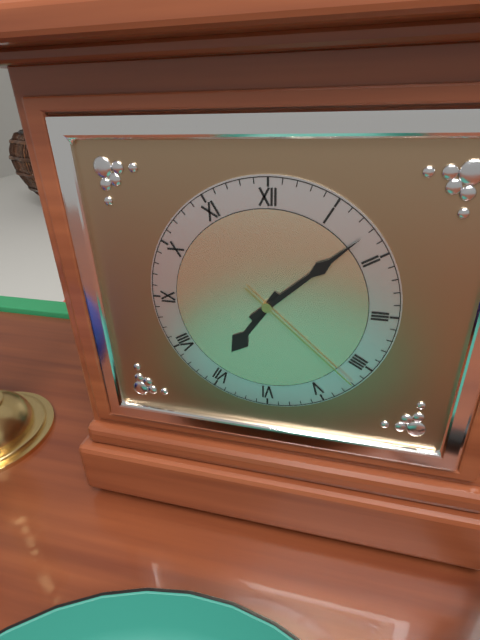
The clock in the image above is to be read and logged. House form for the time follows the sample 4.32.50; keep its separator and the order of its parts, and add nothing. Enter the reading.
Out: 7.08.22
